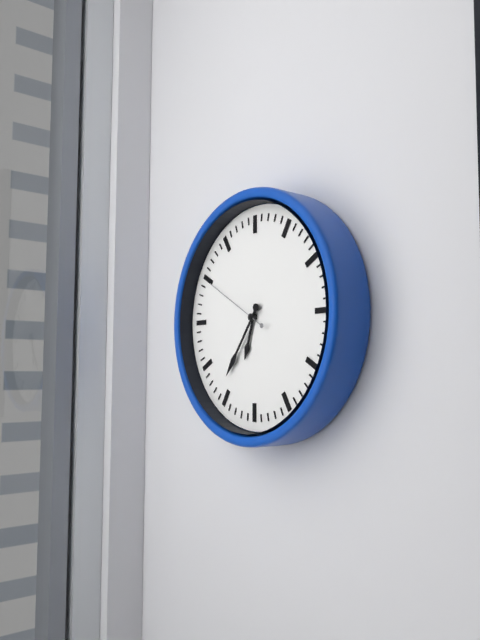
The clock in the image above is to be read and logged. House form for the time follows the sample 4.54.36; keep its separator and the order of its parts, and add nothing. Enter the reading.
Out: 6.36.50
